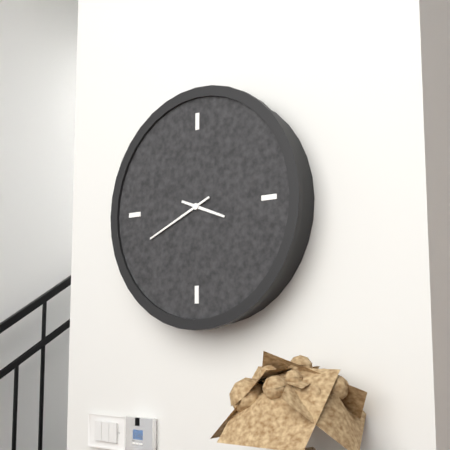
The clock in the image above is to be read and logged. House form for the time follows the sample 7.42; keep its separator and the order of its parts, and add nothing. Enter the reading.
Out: 3.41
